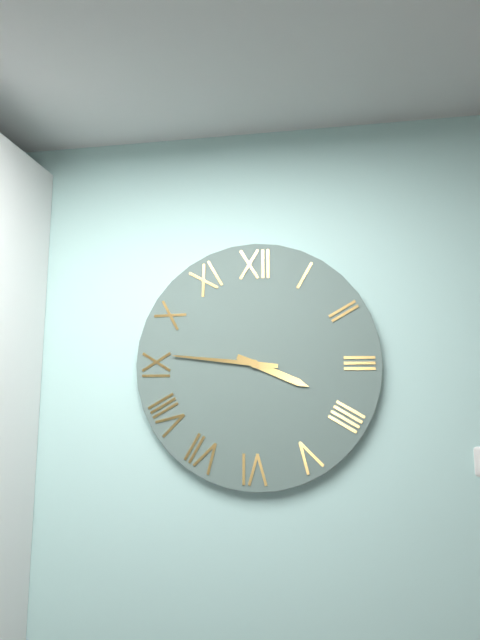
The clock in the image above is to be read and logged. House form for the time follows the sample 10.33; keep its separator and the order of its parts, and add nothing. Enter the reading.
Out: 3.46
